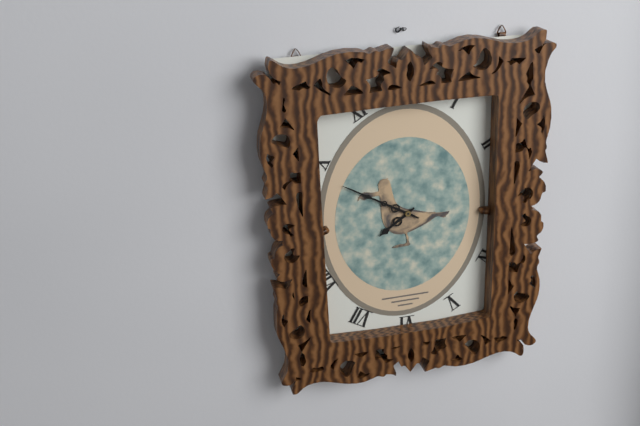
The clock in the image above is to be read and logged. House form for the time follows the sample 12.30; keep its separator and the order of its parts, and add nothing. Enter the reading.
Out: 7.50
